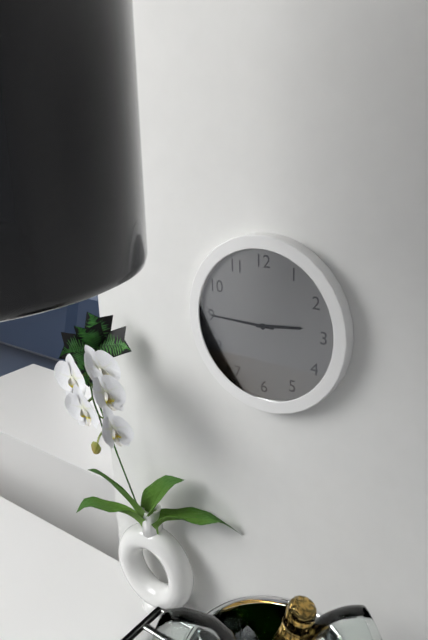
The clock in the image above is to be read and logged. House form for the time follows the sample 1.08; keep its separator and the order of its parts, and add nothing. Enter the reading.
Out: 2.45
